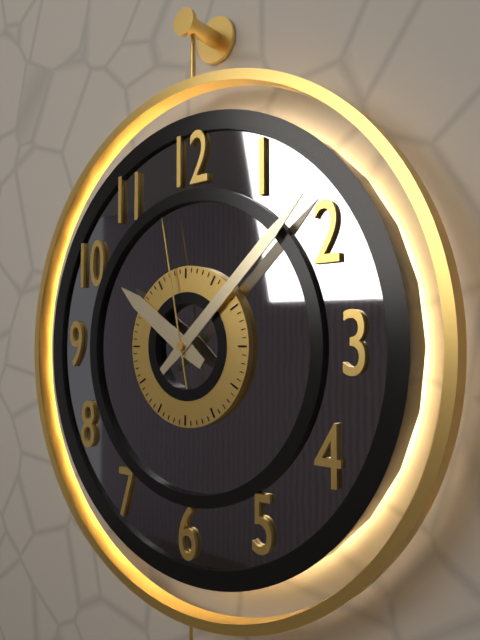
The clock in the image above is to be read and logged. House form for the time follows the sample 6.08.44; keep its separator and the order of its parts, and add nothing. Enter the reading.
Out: 10.08.58
